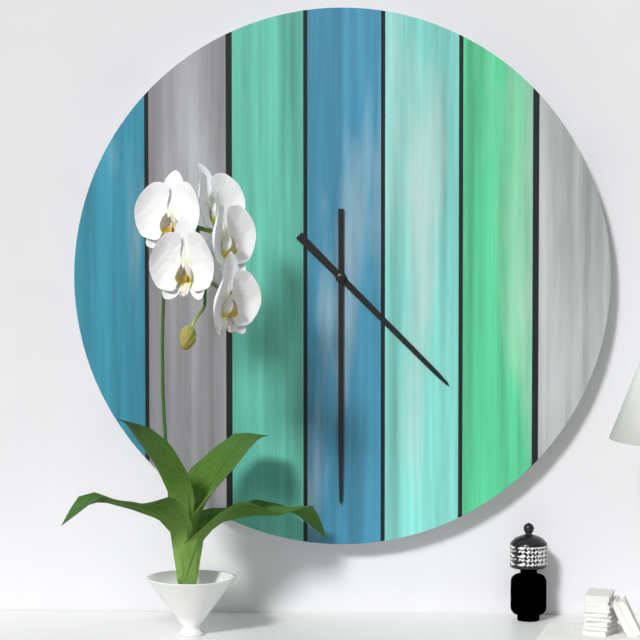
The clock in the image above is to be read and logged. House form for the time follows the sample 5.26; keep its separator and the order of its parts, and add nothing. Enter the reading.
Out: 4.30
